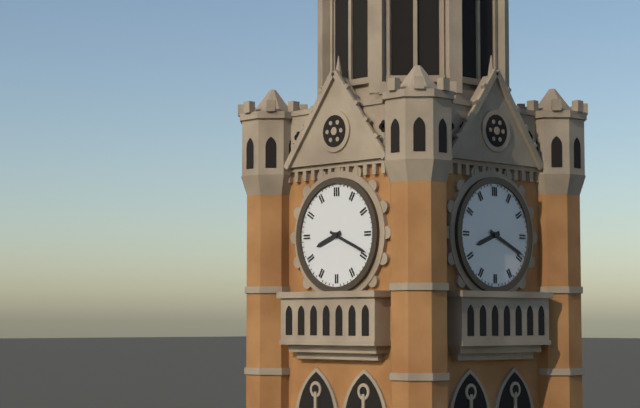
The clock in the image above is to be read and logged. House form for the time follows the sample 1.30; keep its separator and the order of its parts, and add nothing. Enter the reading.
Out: 8.19
